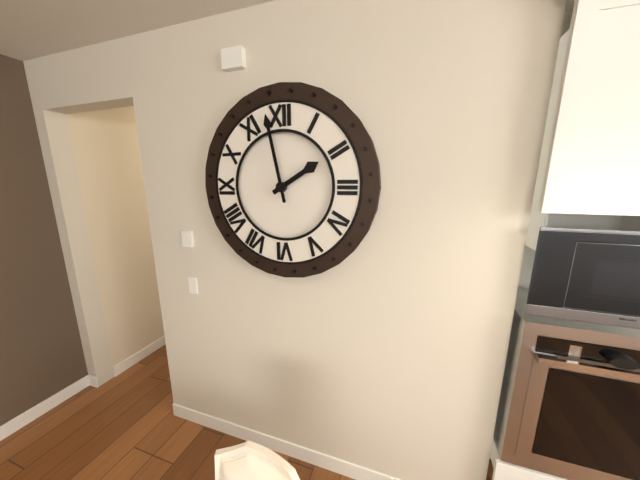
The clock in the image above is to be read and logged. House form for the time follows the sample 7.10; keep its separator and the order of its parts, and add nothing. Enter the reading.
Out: 1.58
